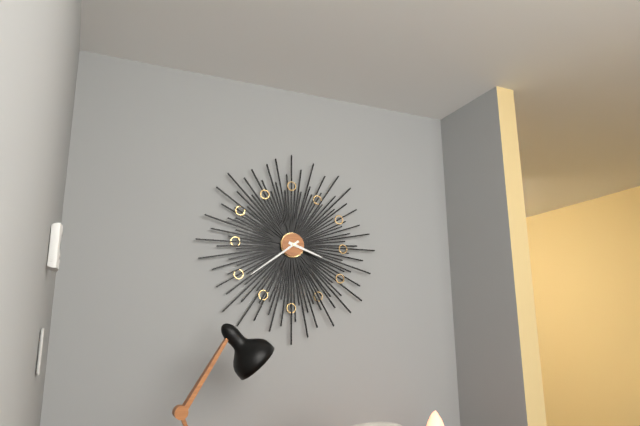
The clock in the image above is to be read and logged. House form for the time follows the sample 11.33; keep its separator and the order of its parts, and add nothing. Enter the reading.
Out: 3.39
